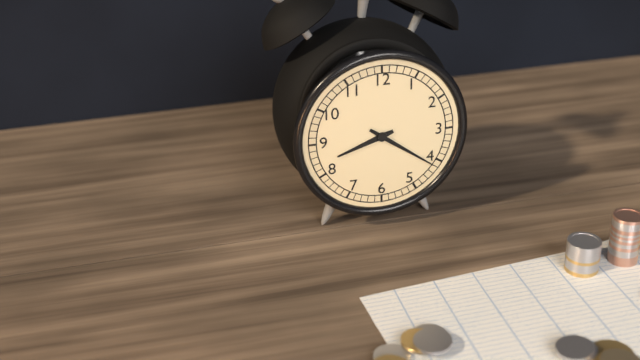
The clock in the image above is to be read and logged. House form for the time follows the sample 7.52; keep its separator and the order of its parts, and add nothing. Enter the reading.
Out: 8.21
